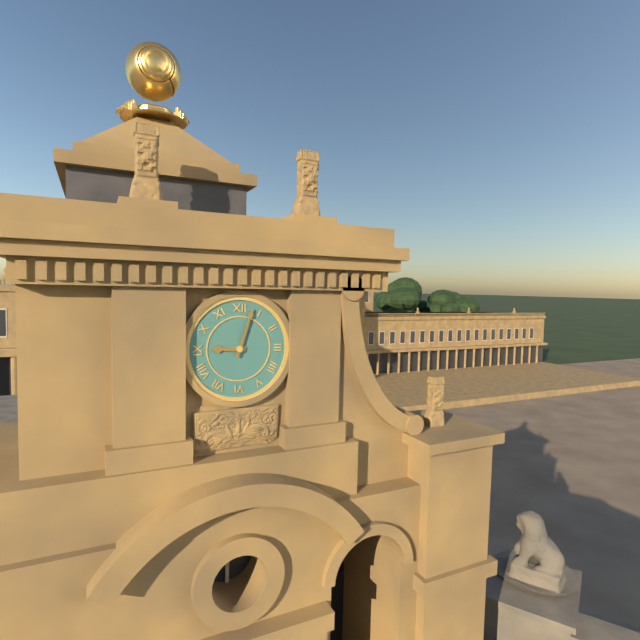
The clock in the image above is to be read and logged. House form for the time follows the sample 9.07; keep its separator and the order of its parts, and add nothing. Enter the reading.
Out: 9.03
